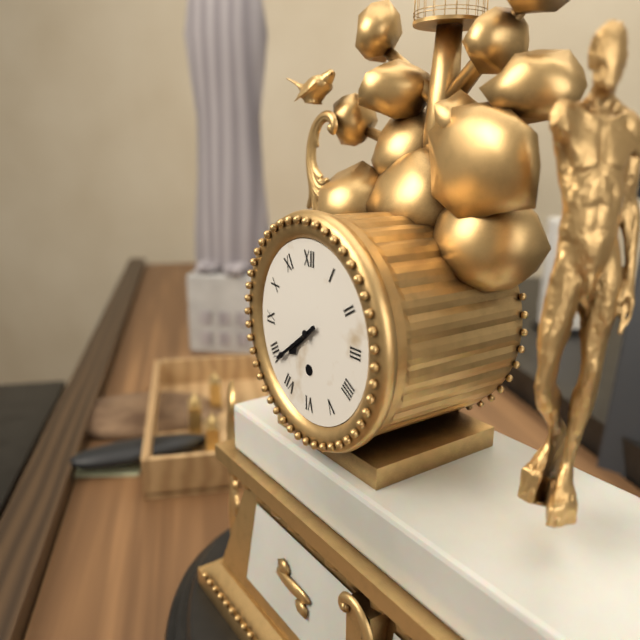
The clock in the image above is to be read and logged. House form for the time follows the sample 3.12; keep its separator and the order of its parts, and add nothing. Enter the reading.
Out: 7.39
